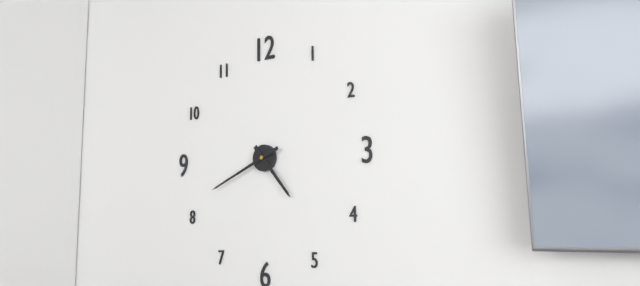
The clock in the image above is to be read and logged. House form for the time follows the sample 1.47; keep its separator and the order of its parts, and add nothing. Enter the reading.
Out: 4.41
